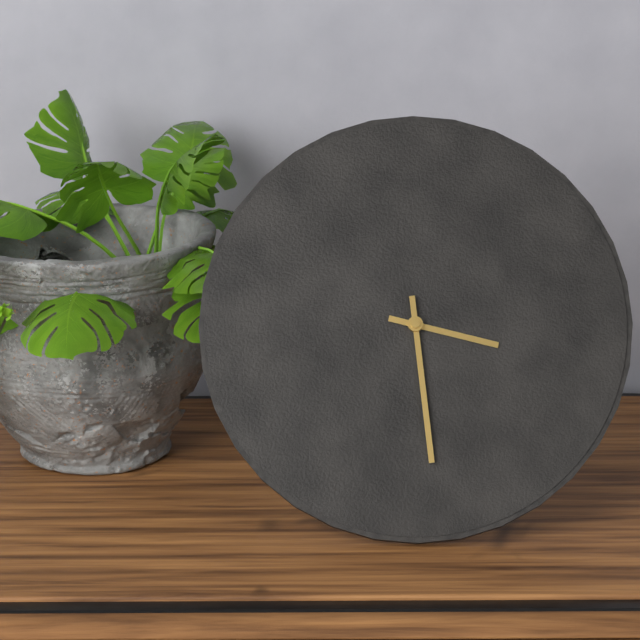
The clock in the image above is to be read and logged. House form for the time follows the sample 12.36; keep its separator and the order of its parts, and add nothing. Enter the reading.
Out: 3.29
